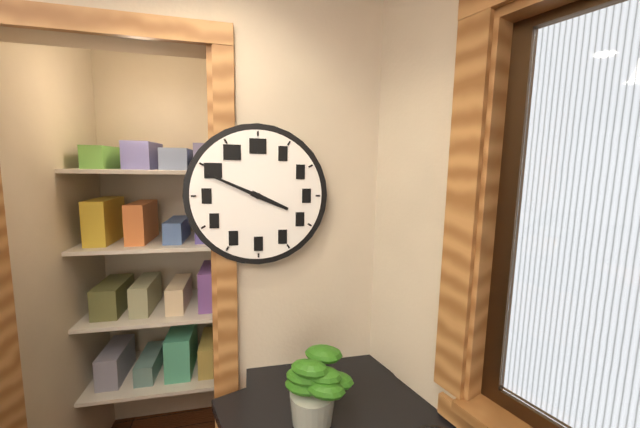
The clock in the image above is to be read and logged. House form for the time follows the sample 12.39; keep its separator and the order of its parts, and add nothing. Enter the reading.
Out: 3.49
